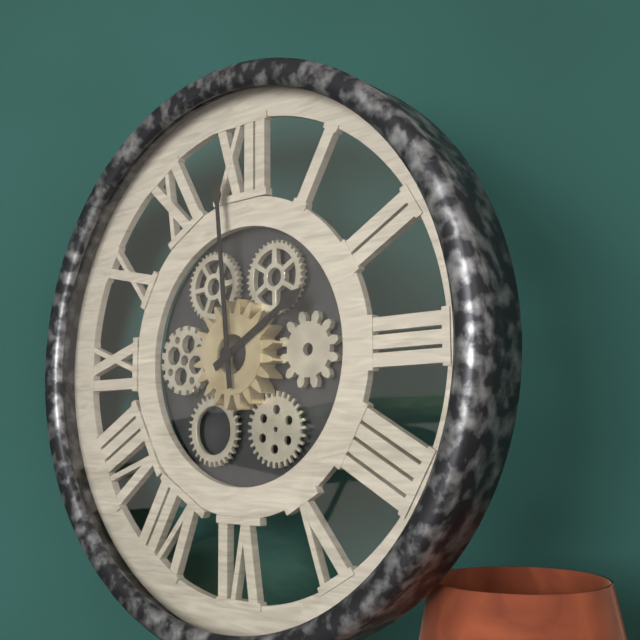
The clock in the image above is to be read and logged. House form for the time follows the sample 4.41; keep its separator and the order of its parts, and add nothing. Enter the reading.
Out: 1.59
